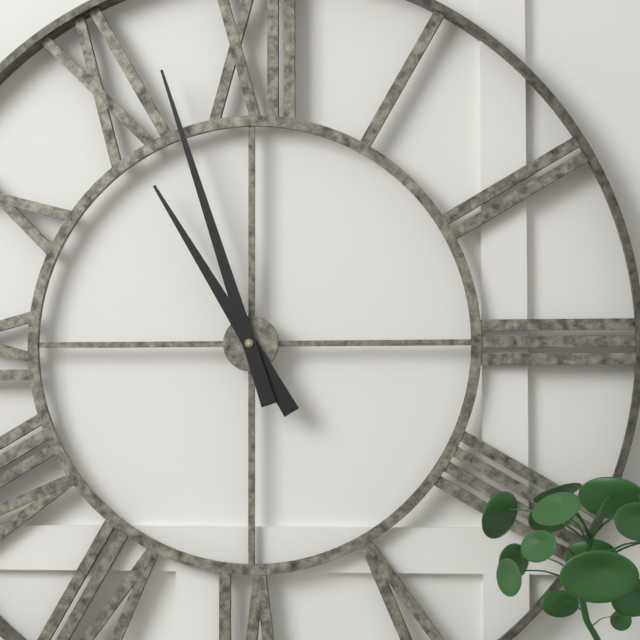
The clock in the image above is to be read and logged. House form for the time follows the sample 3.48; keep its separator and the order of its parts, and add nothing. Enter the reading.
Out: 10.57
